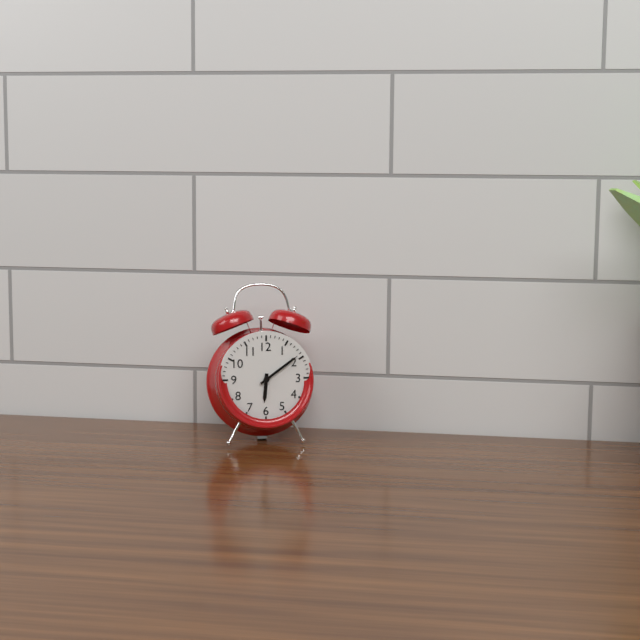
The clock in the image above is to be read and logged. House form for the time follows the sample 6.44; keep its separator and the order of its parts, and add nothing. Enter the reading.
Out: 6.09
